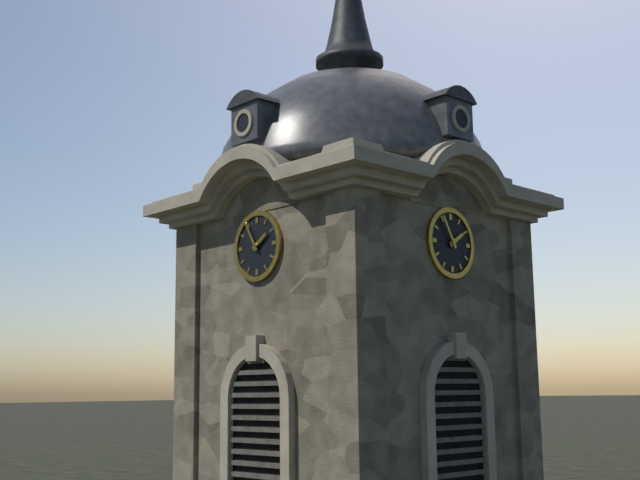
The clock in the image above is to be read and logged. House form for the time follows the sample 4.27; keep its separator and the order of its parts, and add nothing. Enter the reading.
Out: 1.55
